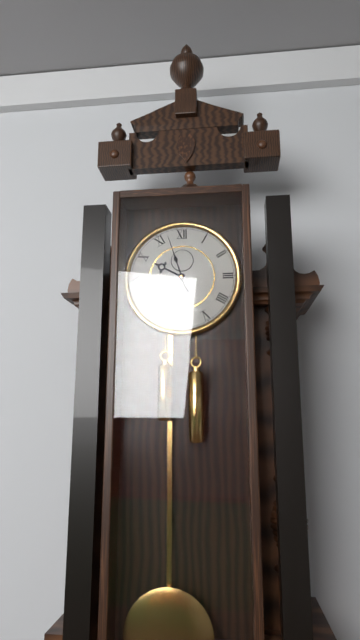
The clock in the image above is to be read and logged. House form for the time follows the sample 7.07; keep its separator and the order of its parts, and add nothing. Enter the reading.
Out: 9.57
